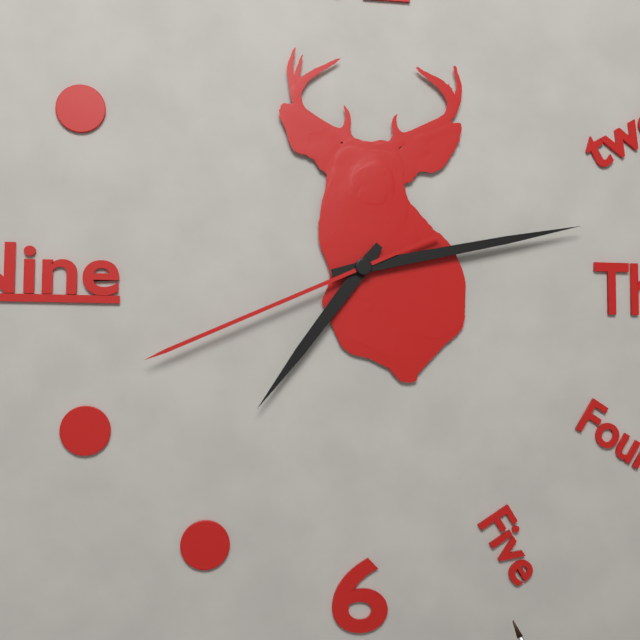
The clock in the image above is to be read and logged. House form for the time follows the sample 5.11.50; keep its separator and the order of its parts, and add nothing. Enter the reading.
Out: 7.13.41
